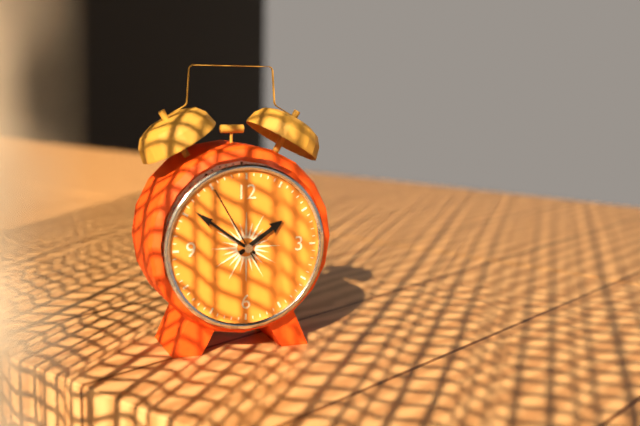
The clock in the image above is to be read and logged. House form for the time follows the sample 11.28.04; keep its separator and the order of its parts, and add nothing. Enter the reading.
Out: 1.51.55
